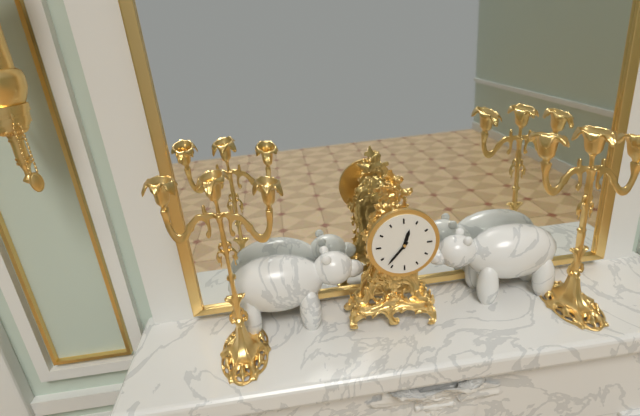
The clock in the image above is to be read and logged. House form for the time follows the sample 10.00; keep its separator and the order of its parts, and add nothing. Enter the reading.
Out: 12.37
